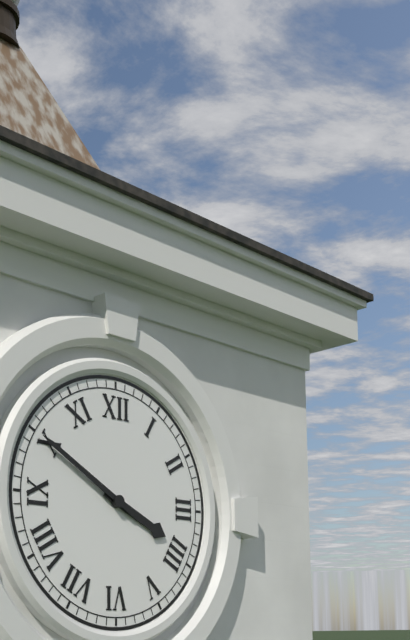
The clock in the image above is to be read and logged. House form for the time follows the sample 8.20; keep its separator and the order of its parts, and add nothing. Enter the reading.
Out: 3.50
